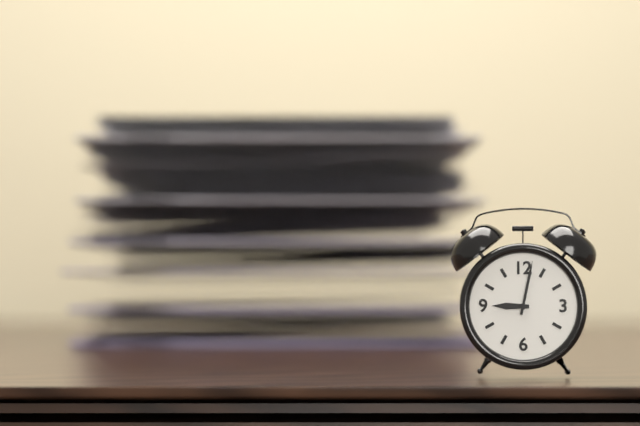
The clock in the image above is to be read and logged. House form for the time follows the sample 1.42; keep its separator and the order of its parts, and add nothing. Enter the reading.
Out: 9.02
